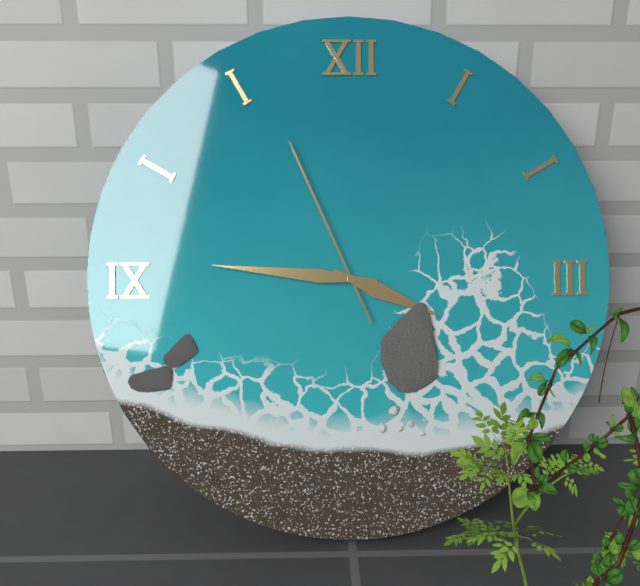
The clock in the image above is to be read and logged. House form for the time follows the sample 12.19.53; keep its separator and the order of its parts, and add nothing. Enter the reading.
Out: 3.46.56
